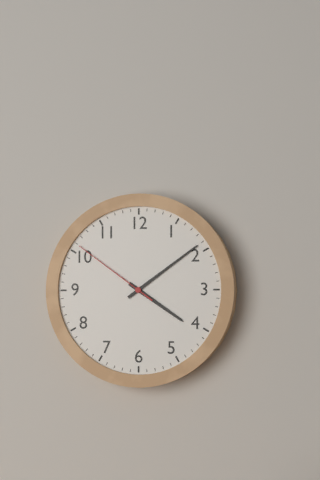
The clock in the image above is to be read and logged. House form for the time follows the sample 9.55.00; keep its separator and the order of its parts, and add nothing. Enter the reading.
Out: 4.09.51
